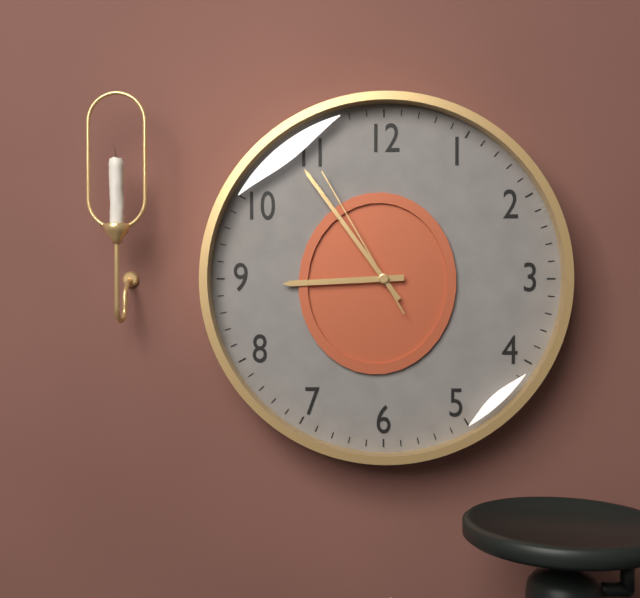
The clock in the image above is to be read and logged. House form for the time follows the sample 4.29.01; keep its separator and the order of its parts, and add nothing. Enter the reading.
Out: 8.54.55
